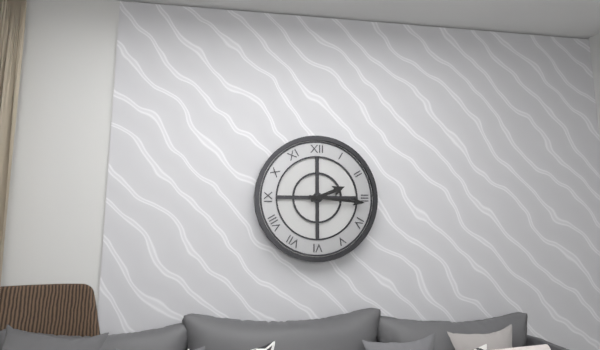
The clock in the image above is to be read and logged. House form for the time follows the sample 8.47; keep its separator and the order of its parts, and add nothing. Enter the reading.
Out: 2.16
